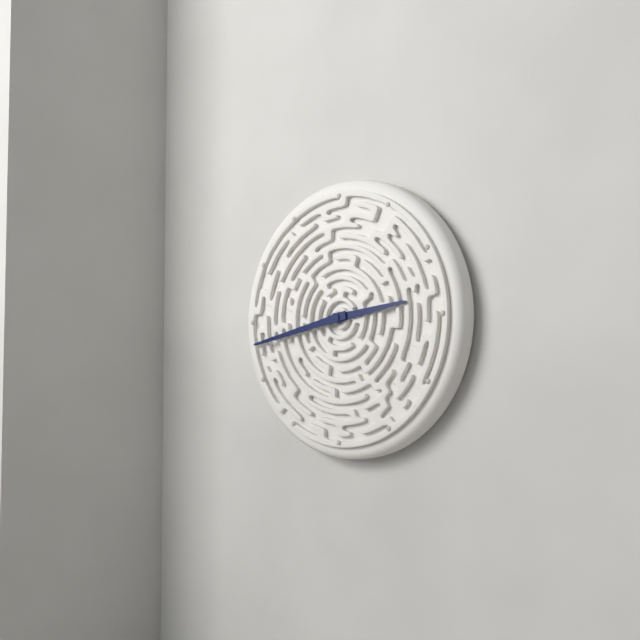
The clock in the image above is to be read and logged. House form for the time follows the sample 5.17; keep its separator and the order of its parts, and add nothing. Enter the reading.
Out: 2.43
